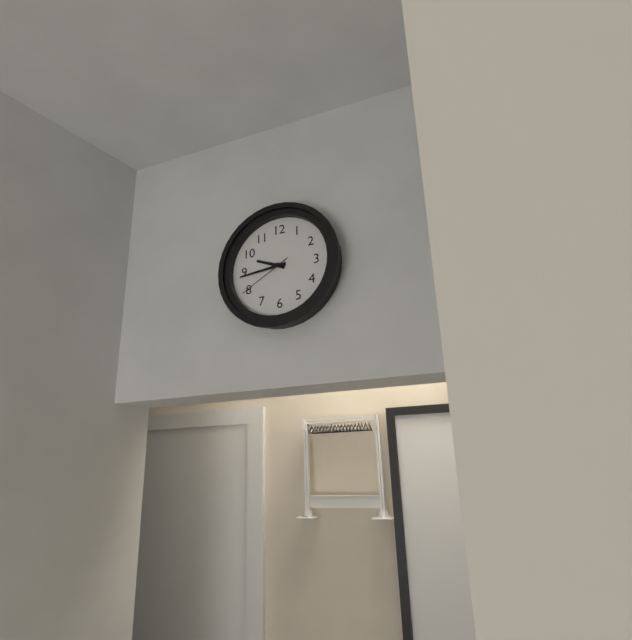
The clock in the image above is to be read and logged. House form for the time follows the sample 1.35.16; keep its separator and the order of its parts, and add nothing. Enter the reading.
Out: 9.44.40
